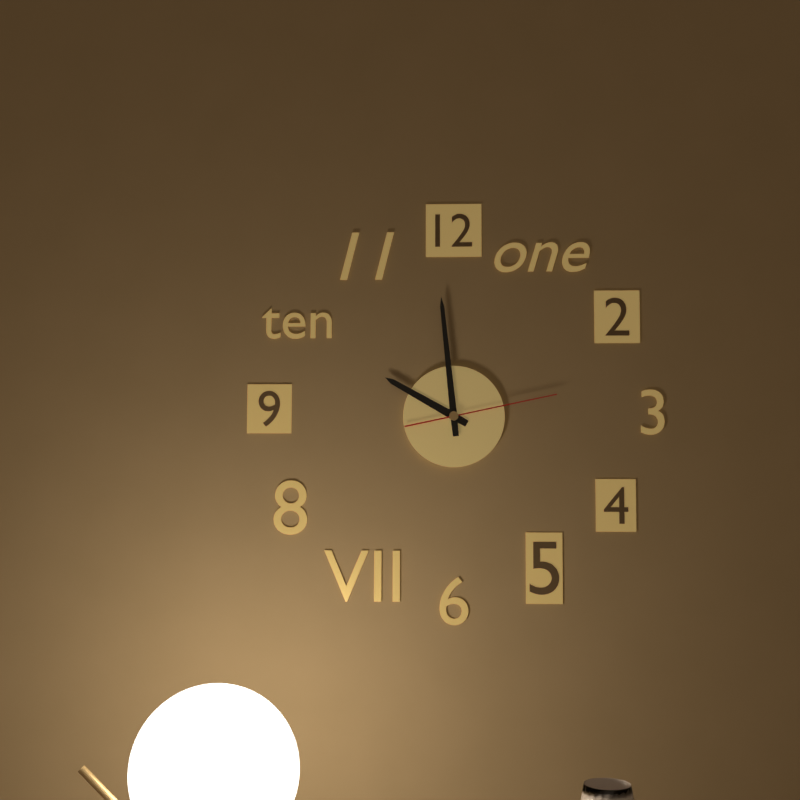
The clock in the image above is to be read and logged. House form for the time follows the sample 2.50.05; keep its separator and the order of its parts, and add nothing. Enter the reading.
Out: 9.59.13
